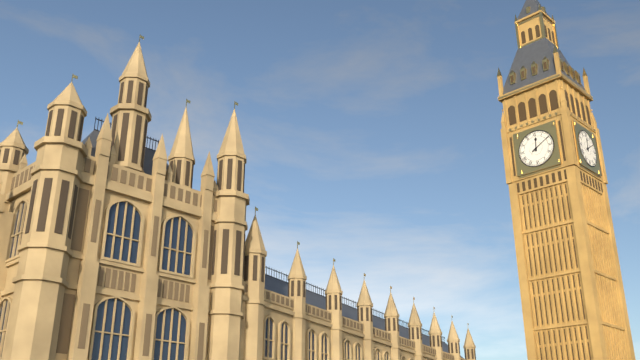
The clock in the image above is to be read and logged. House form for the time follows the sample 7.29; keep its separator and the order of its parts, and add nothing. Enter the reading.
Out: 12.10
